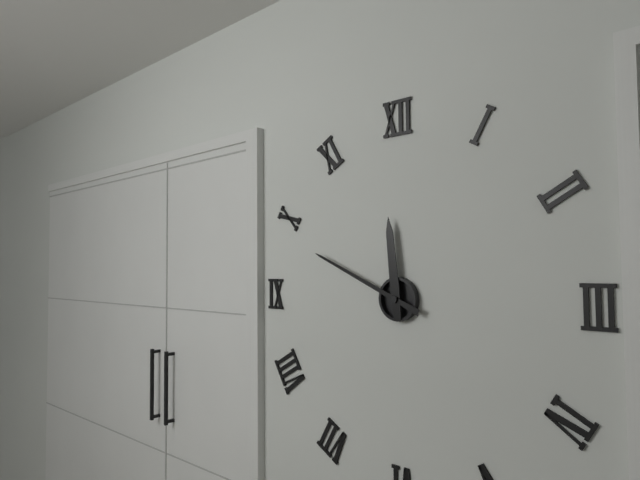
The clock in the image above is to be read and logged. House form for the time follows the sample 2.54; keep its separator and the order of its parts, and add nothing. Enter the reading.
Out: 11.49
